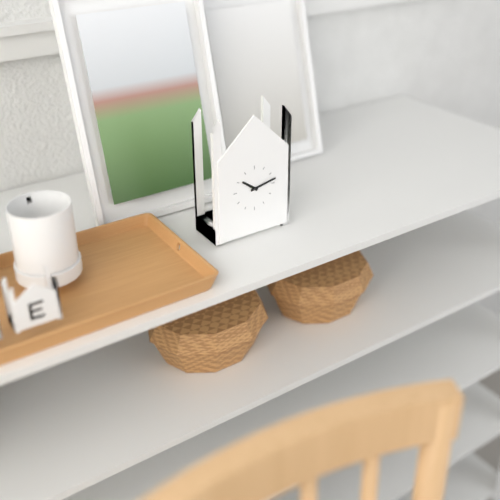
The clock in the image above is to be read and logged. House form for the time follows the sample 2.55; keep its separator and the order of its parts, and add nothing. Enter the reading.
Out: 10.13
